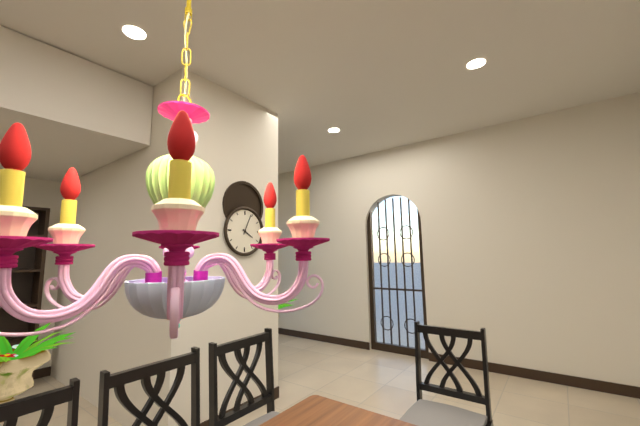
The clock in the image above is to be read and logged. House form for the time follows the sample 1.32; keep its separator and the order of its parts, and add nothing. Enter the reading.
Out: 4.04
